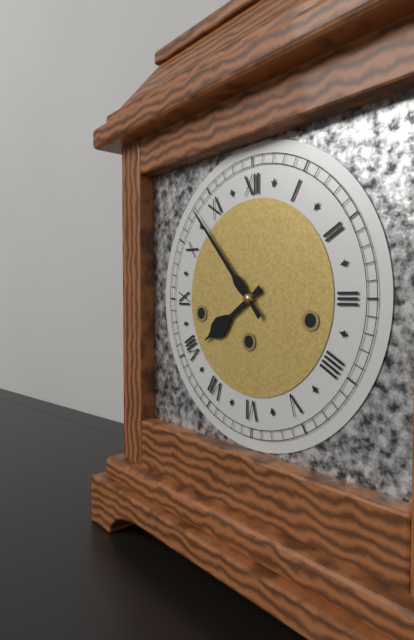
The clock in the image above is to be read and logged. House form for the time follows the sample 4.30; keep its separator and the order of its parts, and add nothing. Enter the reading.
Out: 7.53
